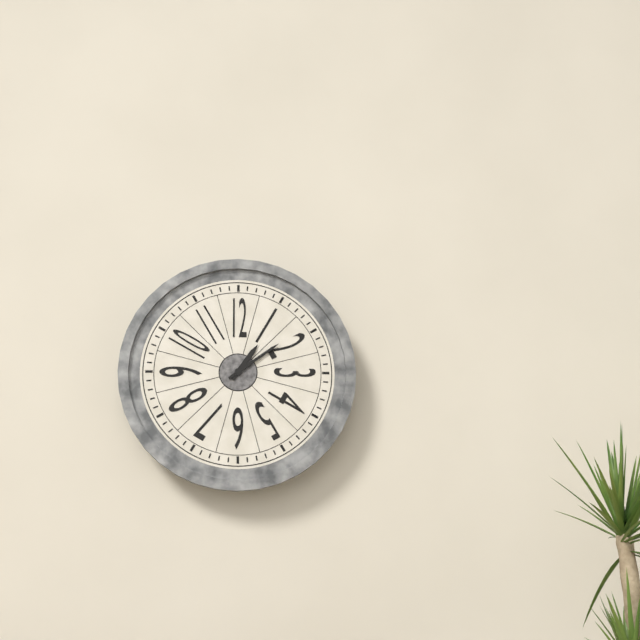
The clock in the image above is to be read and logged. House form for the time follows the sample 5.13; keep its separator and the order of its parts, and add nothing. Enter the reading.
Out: 1.09
